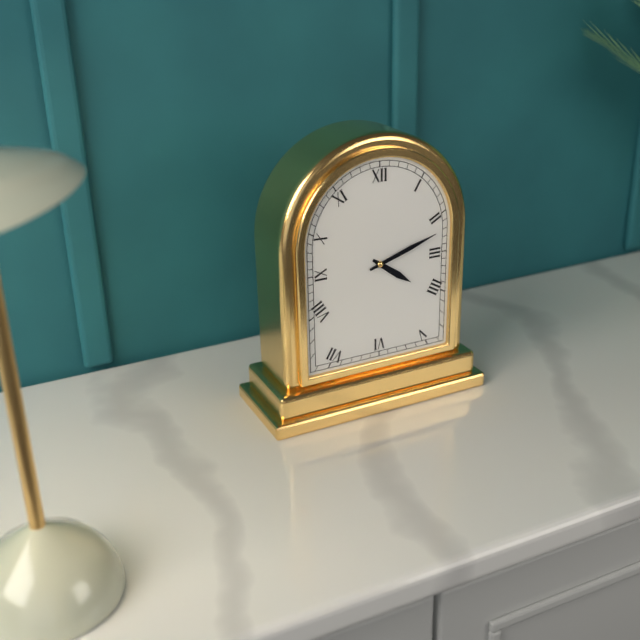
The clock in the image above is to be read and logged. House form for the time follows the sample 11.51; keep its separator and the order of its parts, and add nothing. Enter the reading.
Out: 4.12
